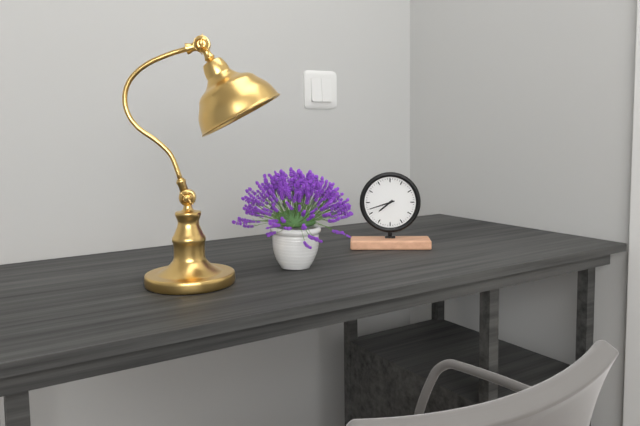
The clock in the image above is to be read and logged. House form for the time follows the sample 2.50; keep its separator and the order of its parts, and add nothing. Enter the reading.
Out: 7.42
